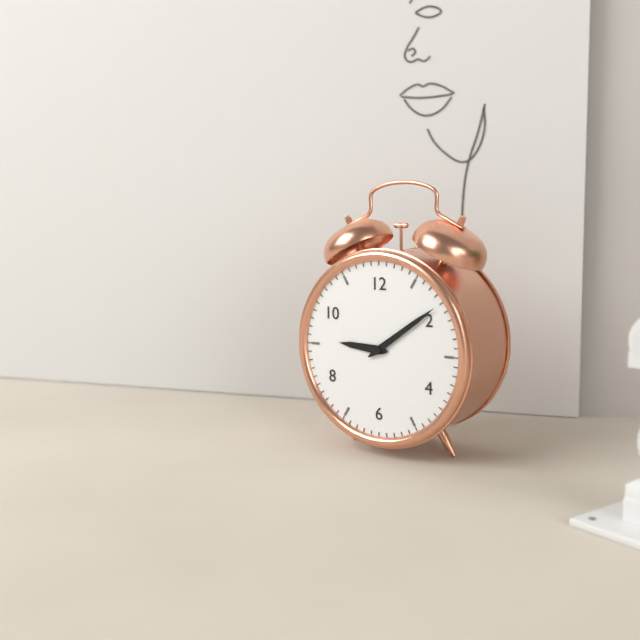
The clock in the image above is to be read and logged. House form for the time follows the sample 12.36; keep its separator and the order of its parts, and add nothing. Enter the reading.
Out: 9.09
